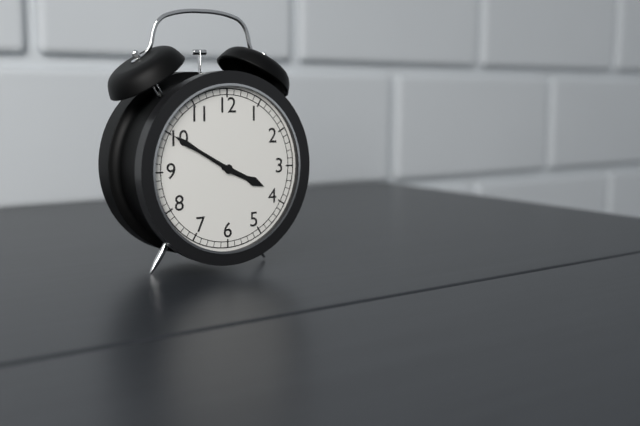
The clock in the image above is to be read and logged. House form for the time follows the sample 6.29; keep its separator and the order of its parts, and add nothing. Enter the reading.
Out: 3.50
